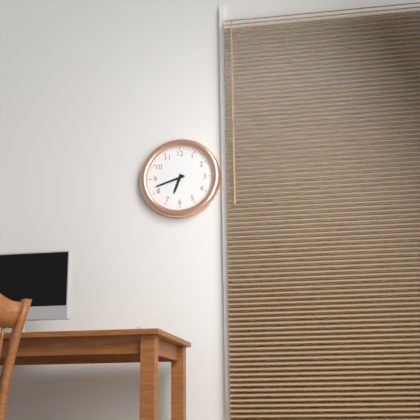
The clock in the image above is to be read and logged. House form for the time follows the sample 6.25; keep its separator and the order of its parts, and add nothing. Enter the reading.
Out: 6.42
